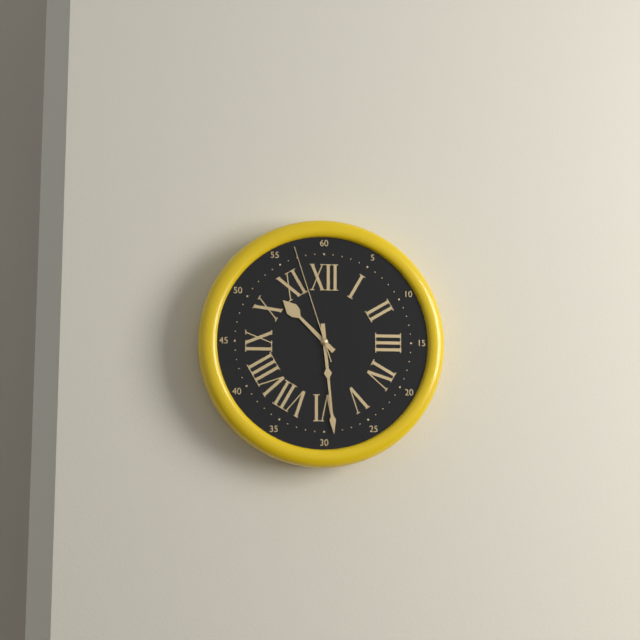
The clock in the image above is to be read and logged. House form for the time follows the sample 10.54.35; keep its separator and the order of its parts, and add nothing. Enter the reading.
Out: 10.29.57
